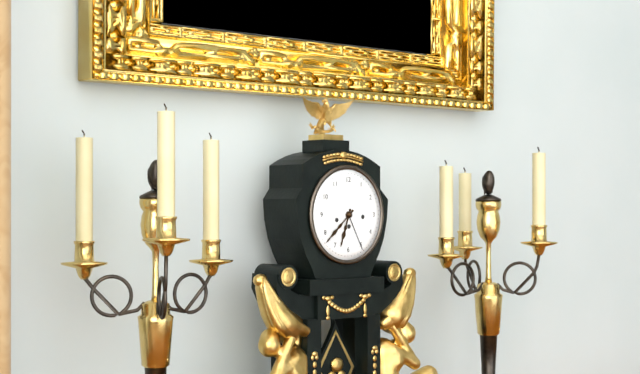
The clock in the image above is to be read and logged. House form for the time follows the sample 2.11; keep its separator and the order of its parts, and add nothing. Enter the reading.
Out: 6.38
